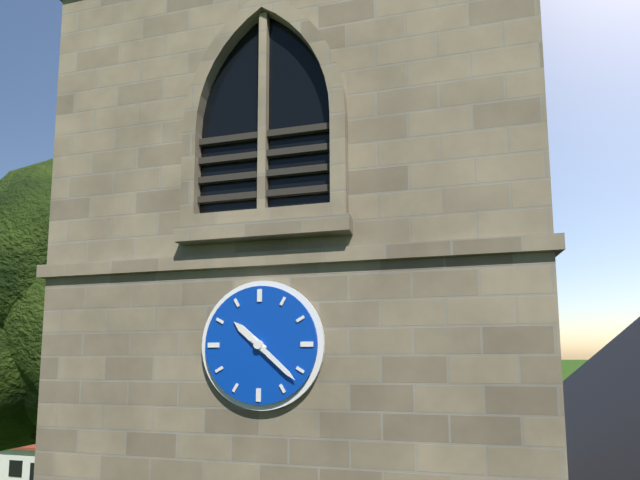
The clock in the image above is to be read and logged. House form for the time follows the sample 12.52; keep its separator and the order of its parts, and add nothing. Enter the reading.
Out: 10.22
